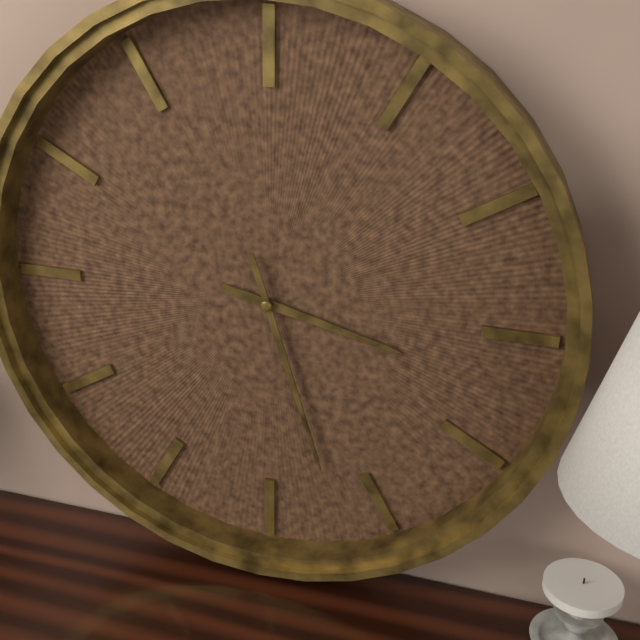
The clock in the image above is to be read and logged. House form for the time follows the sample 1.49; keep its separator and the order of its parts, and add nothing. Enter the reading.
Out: 3.27
